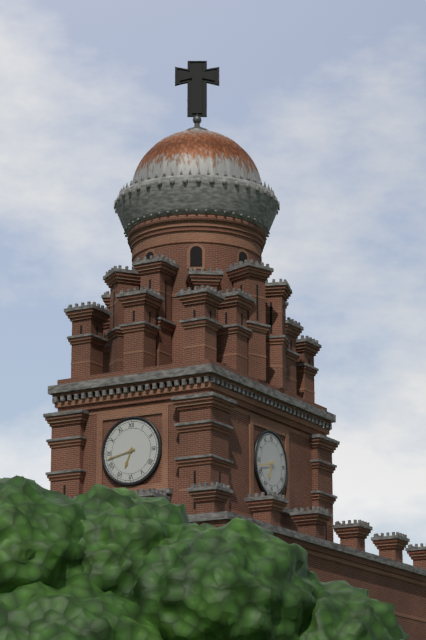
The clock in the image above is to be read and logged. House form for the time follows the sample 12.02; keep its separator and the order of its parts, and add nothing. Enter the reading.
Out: 6.43
